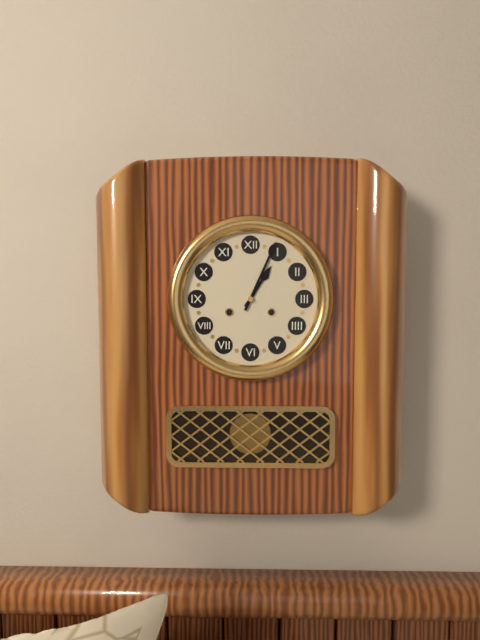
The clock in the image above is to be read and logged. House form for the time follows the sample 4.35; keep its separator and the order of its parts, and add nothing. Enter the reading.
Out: 1.04
